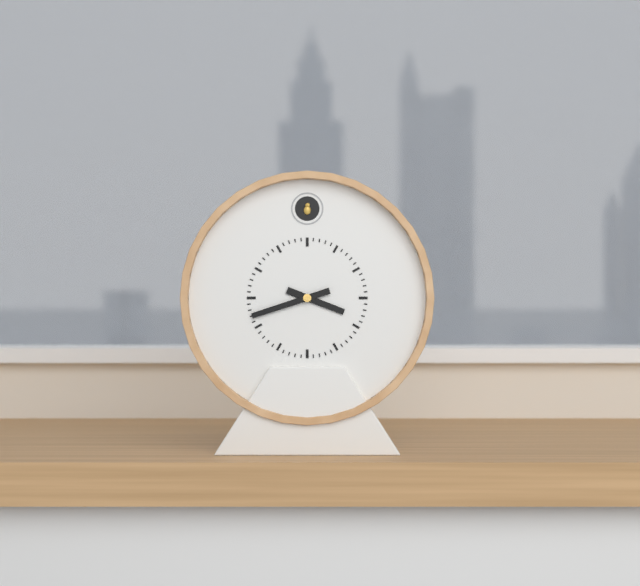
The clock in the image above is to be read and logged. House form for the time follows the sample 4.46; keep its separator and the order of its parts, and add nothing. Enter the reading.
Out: 3.42
